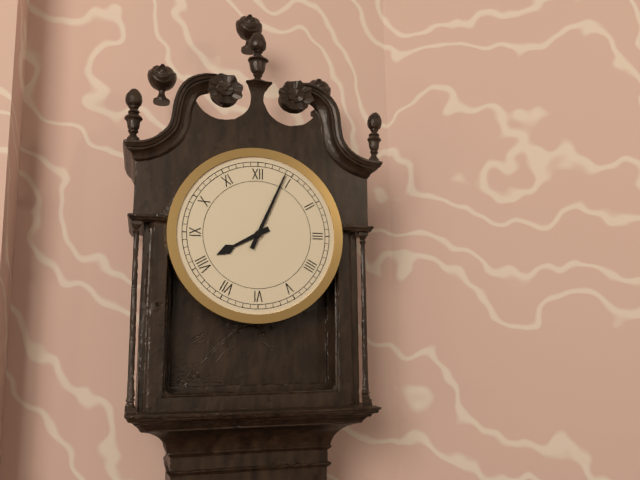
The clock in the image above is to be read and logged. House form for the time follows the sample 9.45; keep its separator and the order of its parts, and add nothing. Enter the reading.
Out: 8.04
